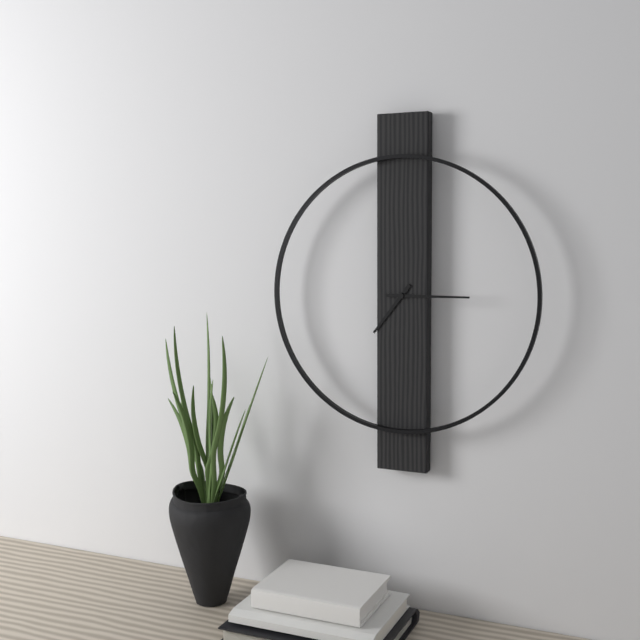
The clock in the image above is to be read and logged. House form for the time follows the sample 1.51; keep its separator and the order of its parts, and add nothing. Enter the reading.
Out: 7.15
